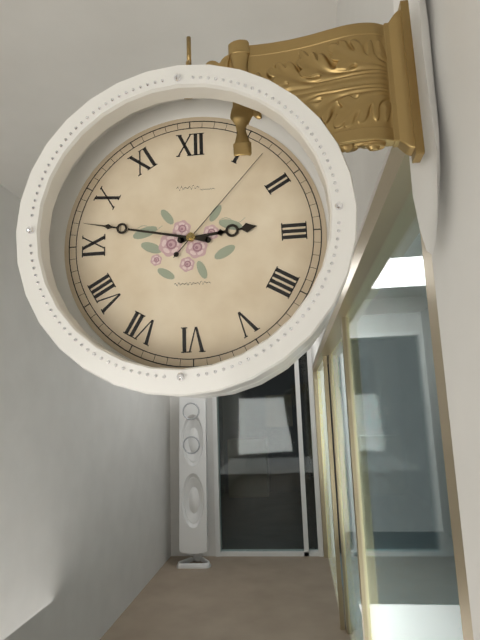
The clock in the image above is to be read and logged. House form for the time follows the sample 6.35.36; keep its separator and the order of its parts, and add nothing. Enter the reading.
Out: 2.47.07
